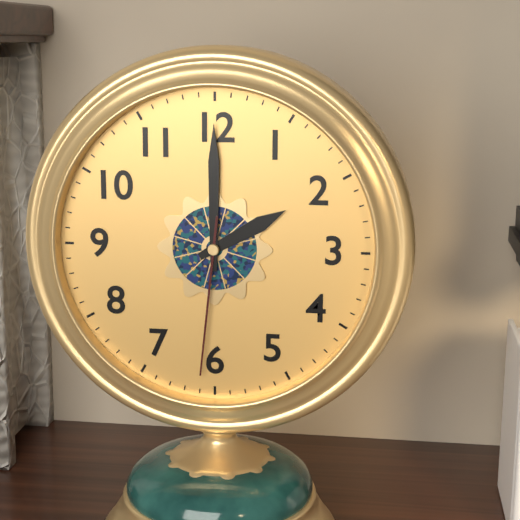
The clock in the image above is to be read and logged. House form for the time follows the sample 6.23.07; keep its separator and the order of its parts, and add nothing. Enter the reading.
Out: 2.00.31
